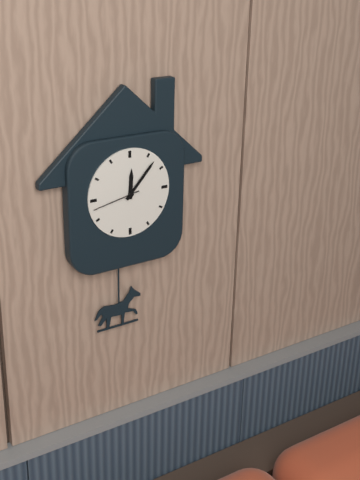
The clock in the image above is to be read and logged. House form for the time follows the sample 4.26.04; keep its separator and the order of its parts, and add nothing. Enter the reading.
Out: 12.07.43
